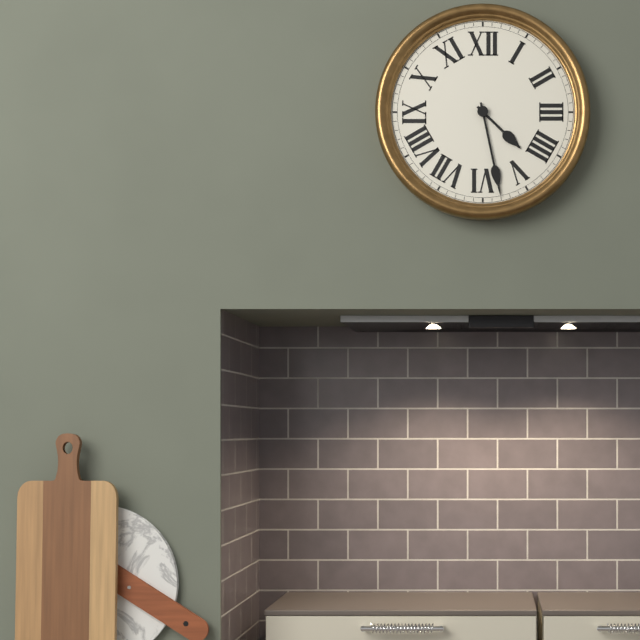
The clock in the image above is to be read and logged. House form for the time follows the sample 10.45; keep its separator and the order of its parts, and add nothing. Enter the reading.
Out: 4.28
